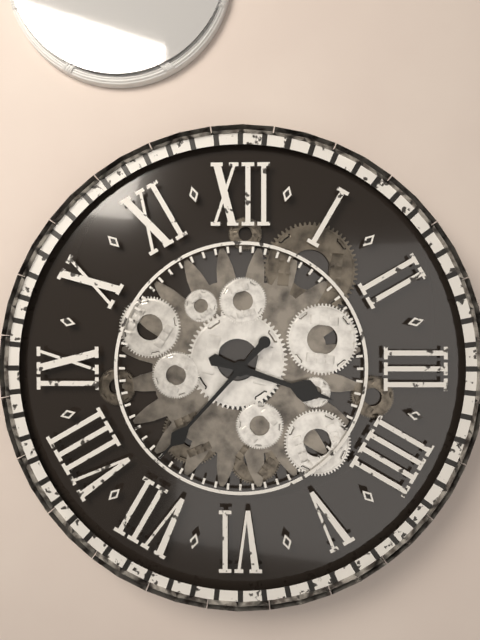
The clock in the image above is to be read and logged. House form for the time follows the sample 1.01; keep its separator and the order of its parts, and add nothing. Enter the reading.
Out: 3.37
